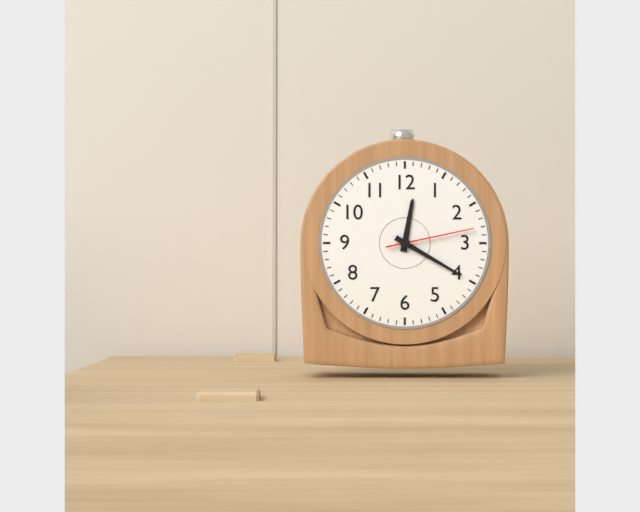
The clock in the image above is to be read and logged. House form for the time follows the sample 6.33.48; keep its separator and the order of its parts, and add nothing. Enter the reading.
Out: 12.20.13
